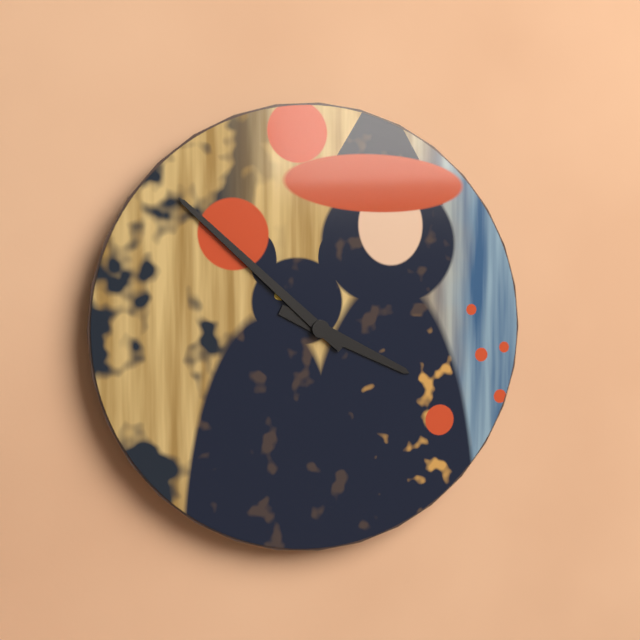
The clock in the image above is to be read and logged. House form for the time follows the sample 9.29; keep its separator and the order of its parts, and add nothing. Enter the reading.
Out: 3.52
